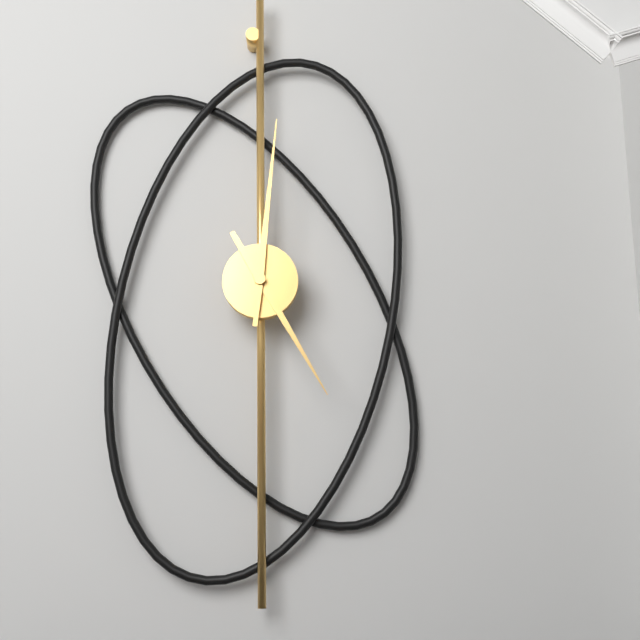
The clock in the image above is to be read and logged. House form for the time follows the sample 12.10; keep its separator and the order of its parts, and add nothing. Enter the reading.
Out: 5.01
